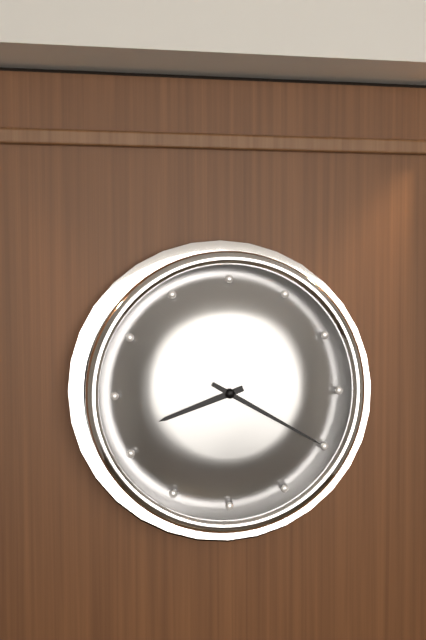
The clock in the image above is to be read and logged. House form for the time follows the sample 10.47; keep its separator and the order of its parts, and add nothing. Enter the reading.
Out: 8.20
